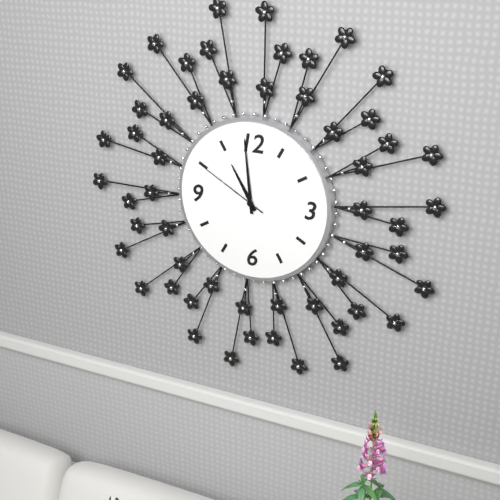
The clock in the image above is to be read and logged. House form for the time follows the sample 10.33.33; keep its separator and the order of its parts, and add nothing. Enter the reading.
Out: 10.59.50
